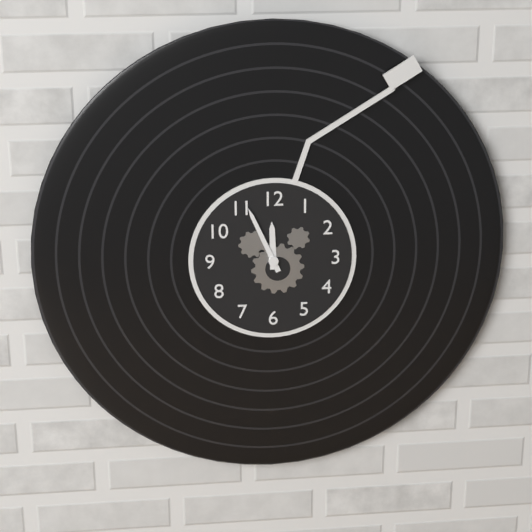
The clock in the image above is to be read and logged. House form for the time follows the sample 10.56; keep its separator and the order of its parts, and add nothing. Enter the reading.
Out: 11.56
